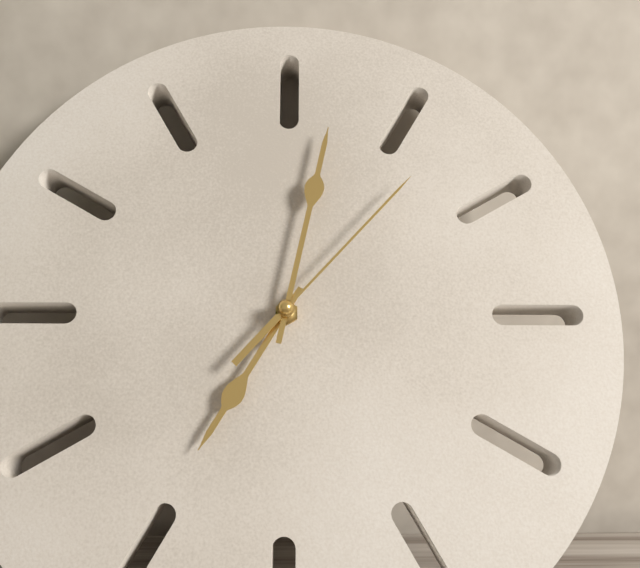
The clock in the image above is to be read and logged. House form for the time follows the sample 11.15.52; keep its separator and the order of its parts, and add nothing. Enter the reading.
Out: 7.02.07
